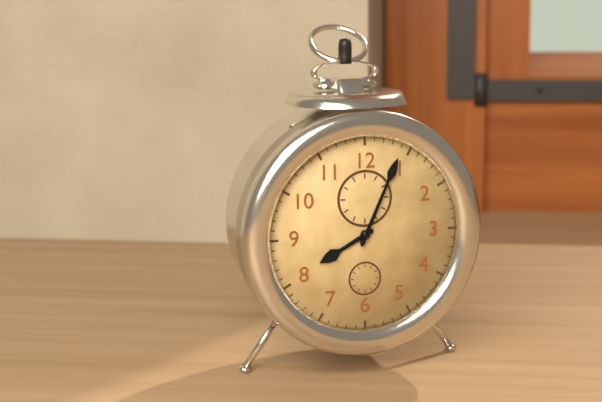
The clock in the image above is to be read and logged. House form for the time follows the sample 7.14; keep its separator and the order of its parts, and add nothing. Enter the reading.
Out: 8.04
